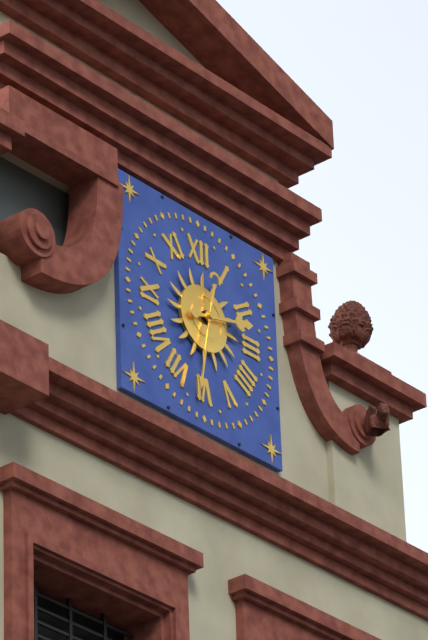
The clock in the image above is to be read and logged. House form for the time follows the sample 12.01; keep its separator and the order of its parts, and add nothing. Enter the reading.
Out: 2.32
